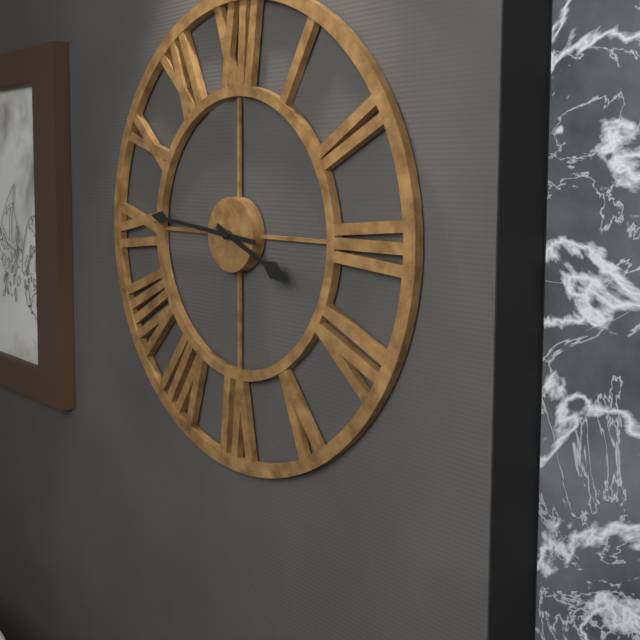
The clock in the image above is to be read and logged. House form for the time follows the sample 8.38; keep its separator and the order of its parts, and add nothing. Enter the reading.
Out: 3.46
